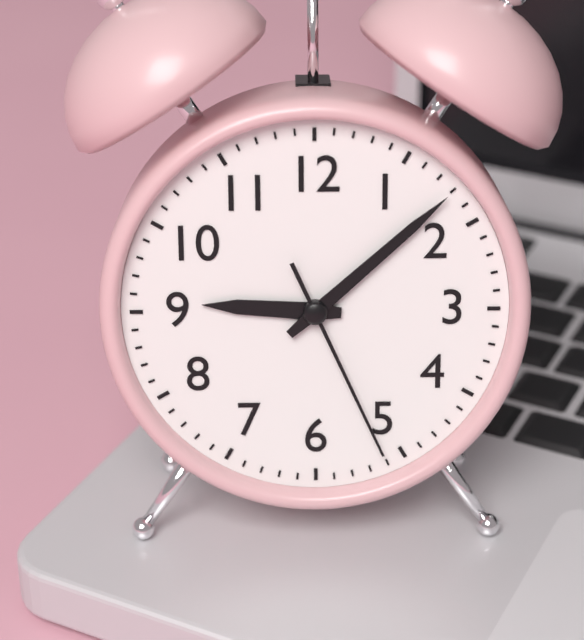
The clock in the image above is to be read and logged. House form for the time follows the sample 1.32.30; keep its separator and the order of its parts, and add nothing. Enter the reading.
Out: 9.08.26
